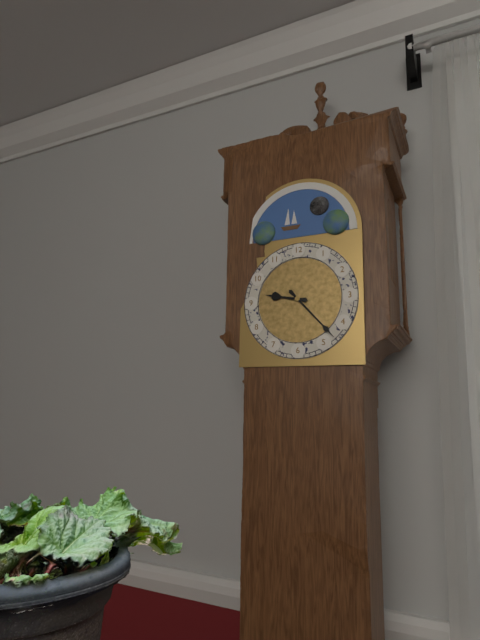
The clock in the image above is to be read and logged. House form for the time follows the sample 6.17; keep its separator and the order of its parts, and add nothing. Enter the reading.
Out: 9.23
